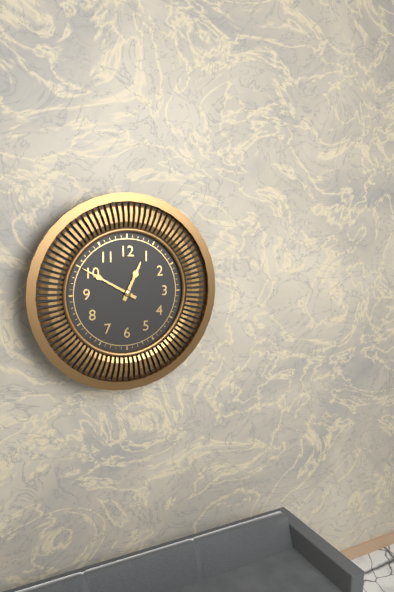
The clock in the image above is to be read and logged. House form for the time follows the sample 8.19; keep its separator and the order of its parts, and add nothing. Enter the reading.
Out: 12.50
